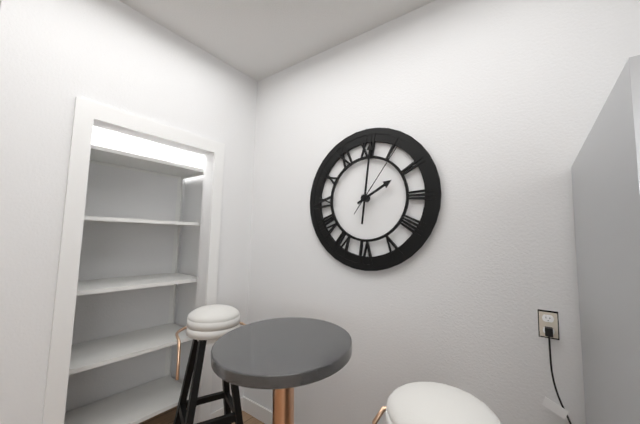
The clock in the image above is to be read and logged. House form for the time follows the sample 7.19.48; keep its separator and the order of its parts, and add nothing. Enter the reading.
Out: 2.01.06
